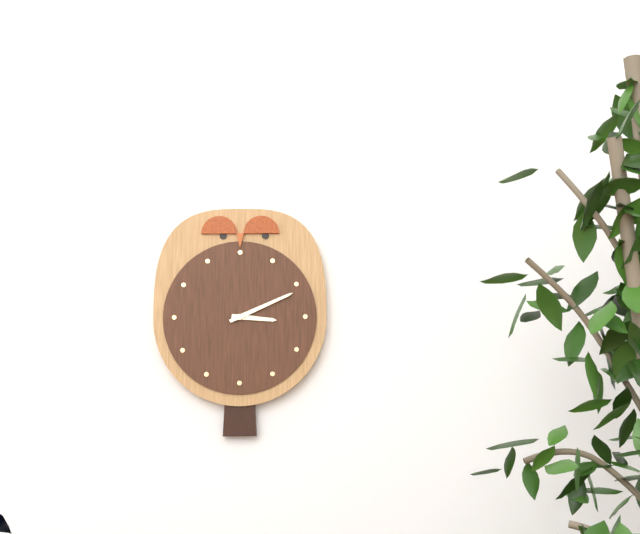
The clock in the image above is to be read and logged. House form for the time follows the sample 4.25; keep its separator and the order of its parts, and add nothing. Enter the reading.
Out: 3.11
